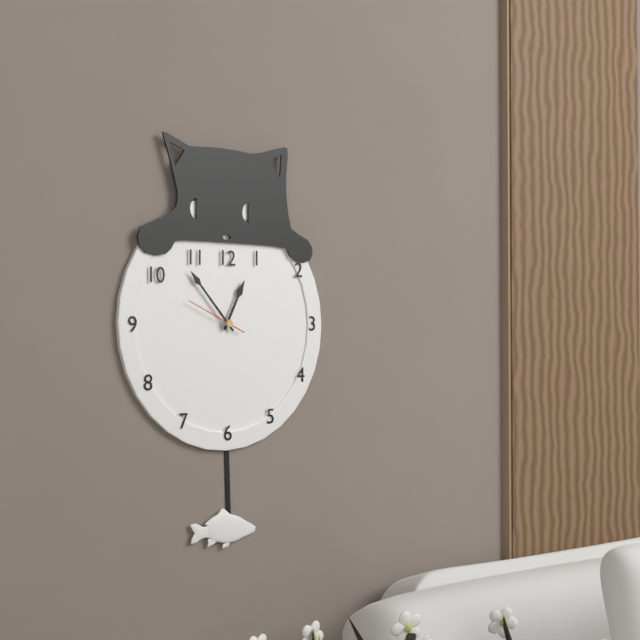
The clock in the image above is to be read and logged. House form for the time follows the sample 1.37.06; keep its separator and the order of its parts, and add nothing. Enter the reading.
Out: 12.53.49
